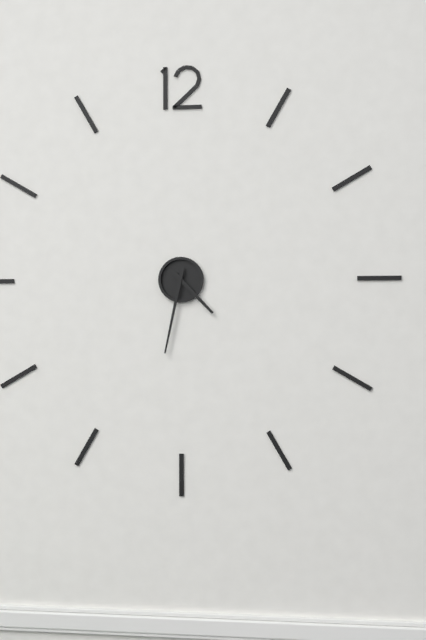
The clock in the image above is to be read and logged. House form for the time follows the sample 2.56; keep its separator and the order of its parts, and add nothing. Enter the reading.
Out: 4.32
